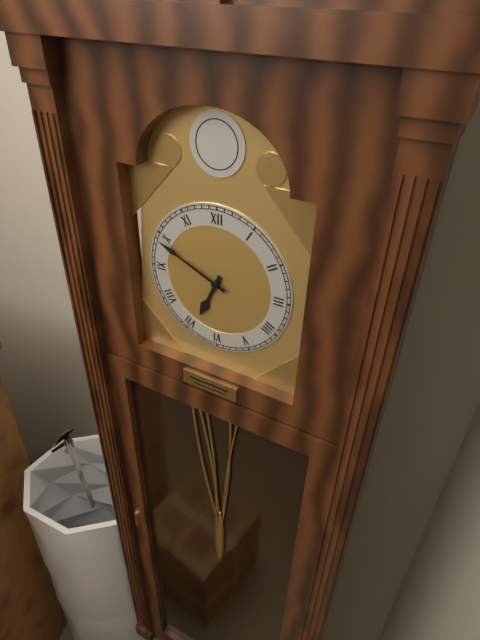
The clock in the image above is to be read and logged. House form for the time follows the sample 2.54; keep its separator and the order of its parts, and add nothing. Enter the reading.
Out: 6.49
